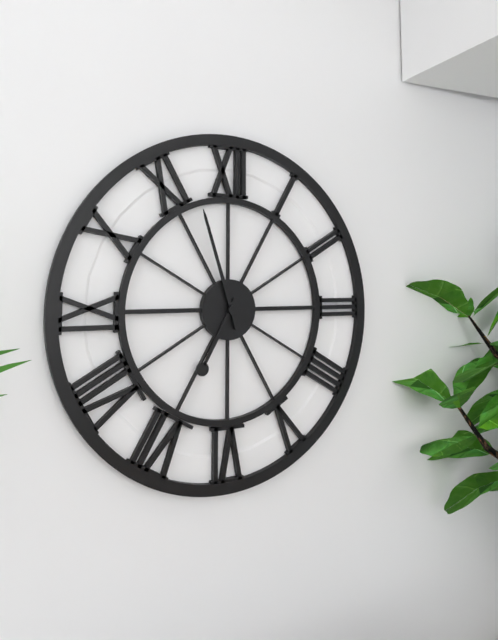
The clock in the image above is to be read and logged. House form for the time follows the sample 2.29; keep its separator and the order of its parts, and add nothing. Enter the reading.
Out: 6.57
